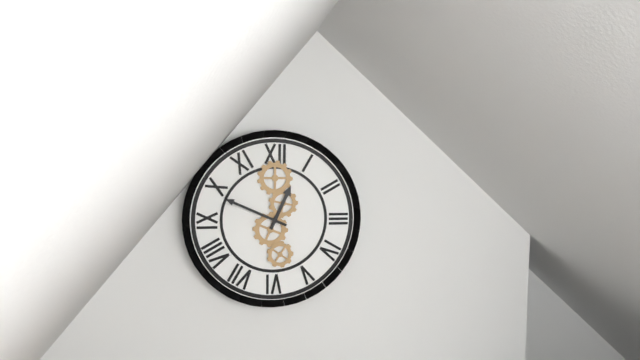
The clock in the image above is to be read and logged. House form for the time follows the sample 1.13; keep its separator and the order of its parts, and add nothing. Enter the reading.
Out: 12.49
